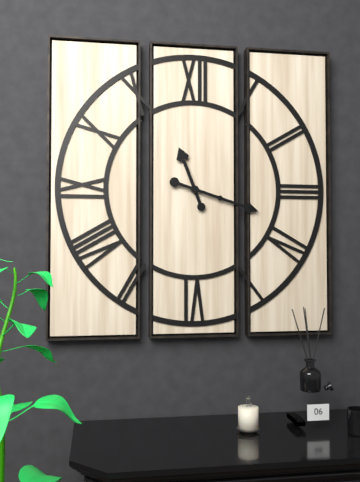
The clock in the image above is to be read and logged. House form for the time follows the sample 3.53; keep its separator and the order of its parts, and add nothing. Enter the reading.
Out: 11.18
